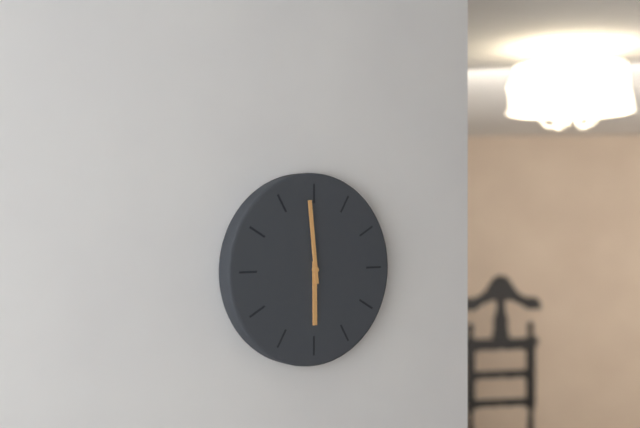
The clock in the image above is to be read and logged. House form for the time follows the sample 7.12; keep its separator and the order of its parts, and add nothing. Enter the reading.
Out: 5.59
